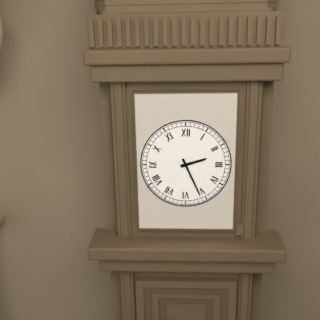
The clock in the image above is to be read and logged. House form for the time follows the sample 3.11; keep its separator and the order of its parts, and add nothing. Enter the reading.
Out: 2.26
